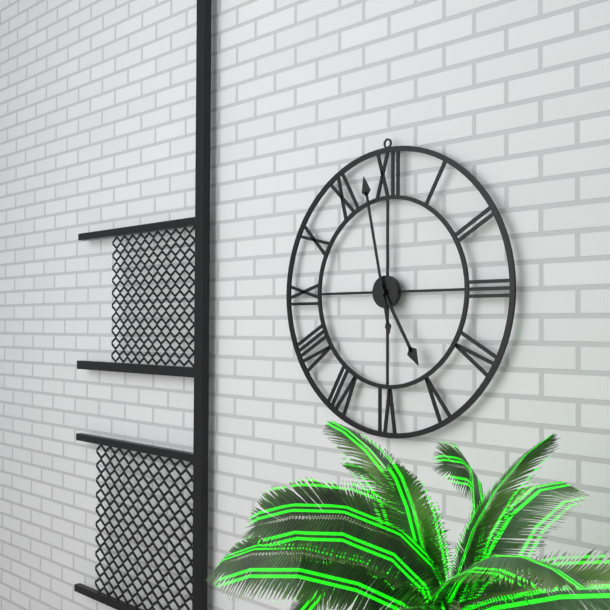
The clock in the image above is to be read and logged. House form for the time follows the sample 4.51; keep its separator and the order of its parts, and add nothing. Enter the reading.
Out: 4.58
